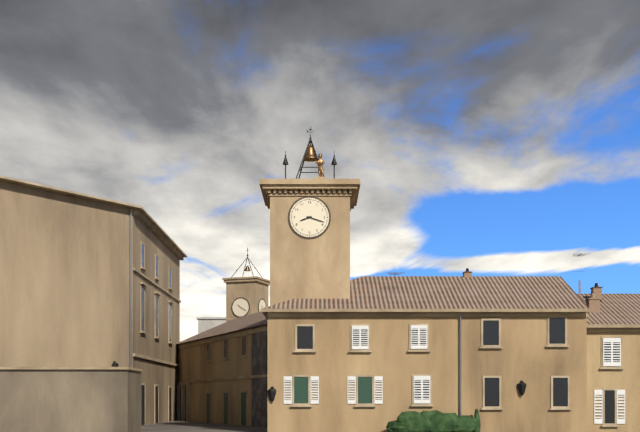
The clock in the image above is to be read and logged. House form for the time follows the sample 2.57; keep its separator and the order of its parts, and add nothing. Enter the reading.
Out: 8.18
